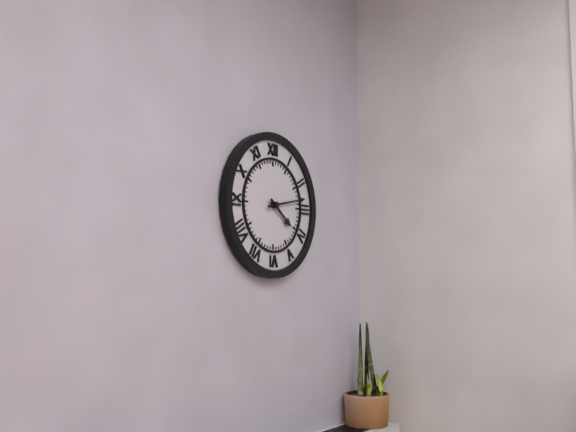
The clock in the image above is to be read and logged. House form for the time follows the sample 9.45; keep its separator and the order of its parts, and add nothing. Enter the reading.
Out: 4.13
